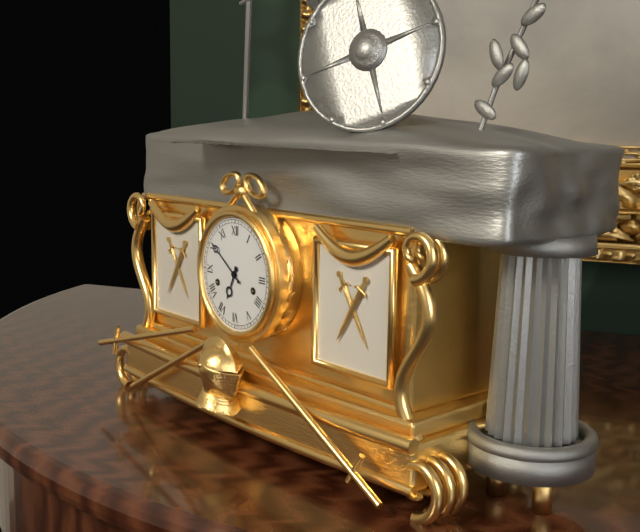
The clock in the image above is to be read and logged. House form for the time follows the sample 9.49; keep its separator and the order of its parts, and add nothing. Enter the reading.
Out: 6.51
